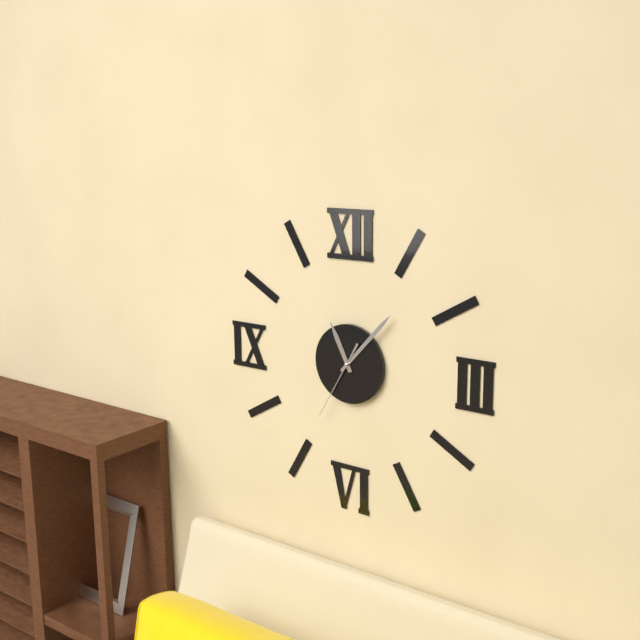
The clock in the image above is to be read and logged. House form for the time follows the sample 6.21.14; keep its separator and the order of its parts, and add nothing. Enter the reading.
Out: 11.07.35
